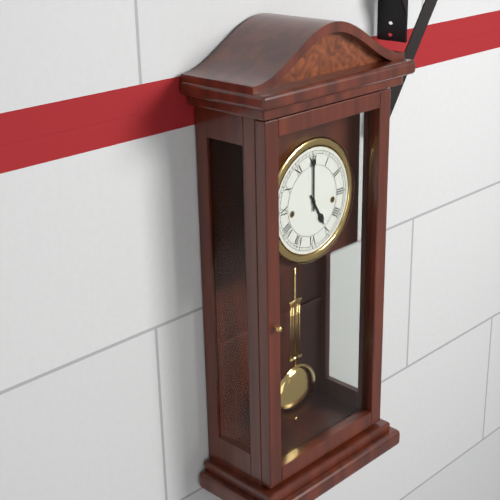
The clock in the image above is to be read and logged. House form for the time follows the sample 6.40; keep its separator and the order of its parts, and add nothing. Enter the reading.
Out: 5.00
